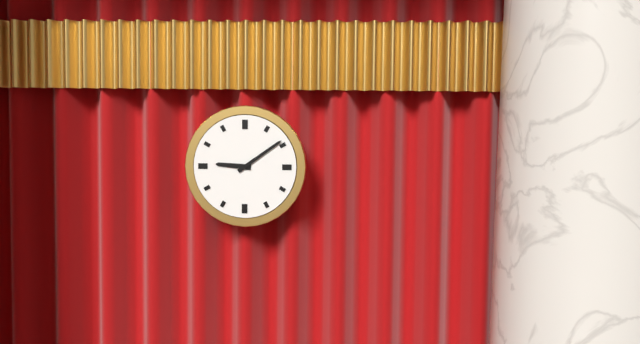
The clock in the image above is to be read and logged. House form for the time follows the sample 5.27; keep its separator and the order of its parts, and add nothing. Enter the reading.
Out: 9.09
